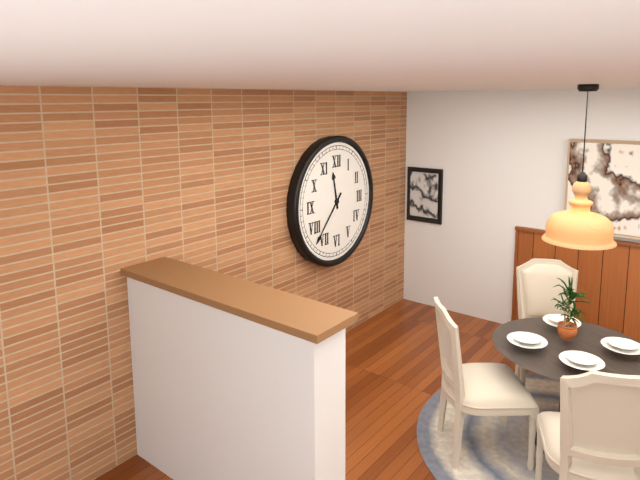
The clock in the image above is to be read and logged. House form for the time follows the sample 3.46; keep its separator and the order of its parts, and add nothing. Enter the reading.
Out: 11.37
